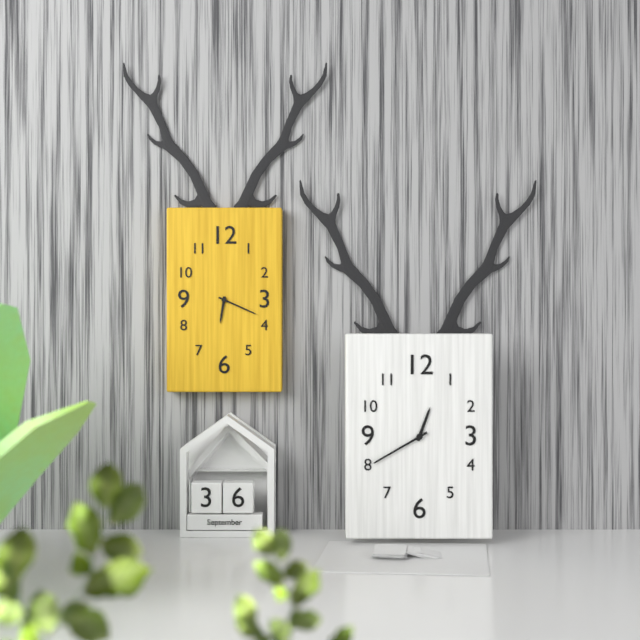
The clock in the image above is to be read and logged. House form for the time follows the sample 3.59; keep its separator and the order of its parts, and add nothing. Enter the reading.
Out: 6.19
